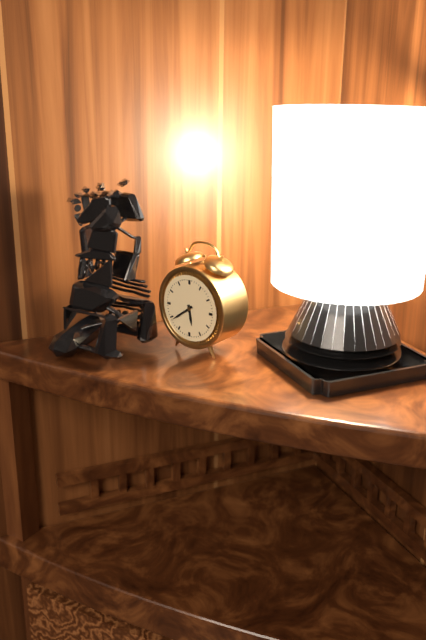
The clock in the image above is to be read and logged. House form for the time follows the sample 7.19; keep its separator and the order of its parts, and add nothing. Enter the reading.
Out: 5.39
